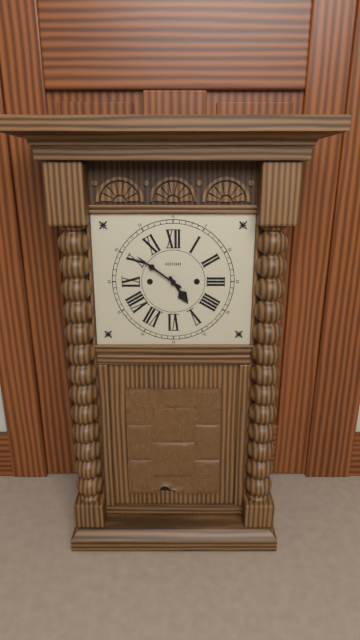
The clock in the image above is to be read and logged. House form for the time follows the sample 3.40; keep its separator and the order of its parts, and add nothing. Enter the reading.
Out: 4.51
